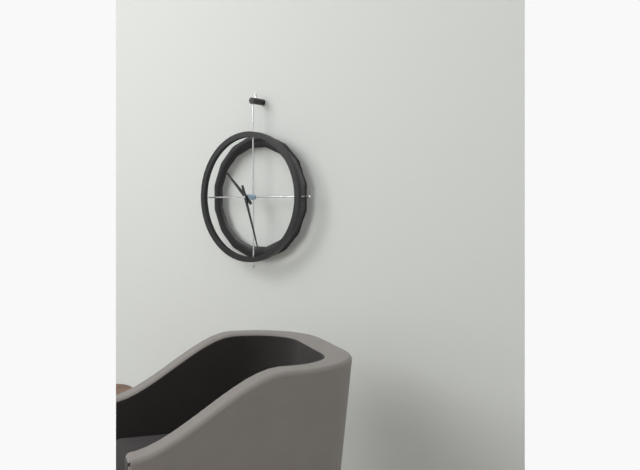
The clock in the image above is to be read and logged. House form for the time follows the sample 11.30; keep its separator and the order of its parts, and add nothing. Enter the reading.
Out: 10.27
